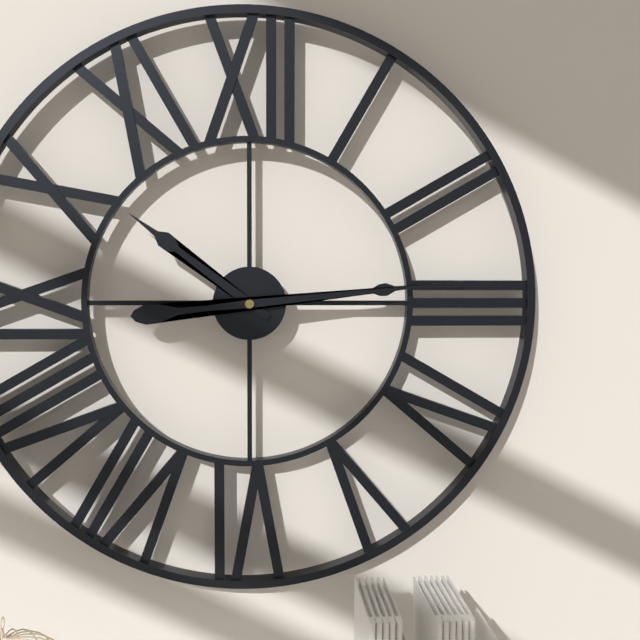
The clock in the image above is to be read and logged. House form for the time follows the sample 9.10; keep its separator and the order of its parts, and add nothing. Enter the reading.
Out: 10.14
